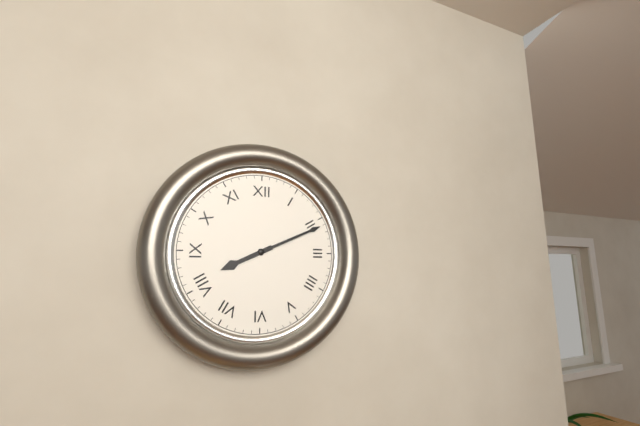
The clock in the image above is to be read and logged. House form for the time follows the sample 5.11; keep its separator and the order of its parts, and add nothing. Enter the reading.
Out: 8.11
